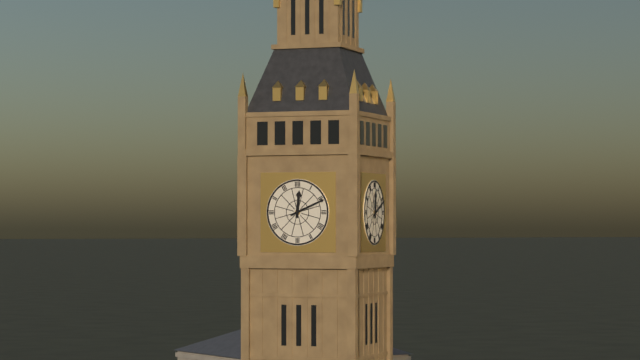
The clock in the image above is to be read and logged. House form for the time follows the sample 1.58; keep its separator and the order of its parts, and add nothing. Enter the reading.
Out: 12.11
